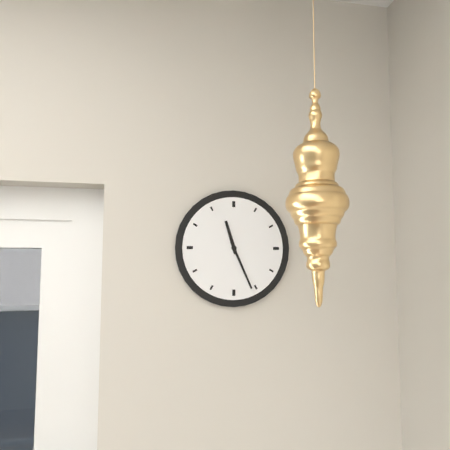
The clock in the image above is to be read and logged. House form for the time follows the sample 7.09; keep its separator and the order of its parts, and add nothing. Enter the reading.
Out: 11.26
